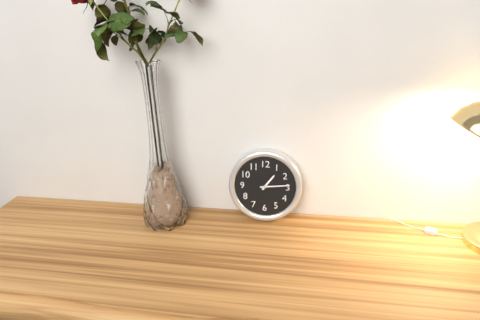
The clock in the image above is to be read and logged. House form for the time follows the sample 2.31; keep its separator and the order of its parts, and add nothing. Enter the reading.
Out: 1.14
